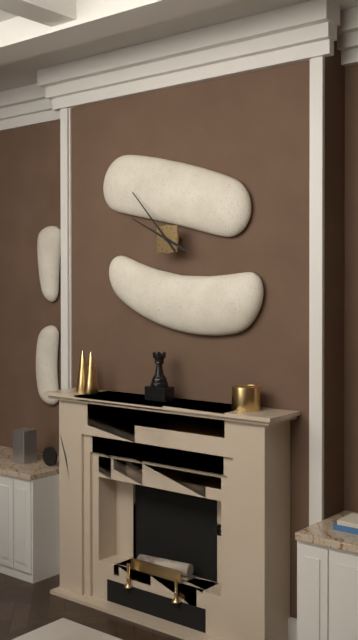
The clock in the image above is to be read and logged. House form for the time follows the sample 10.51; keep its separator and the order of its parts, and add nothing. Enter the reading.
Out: 9.53
